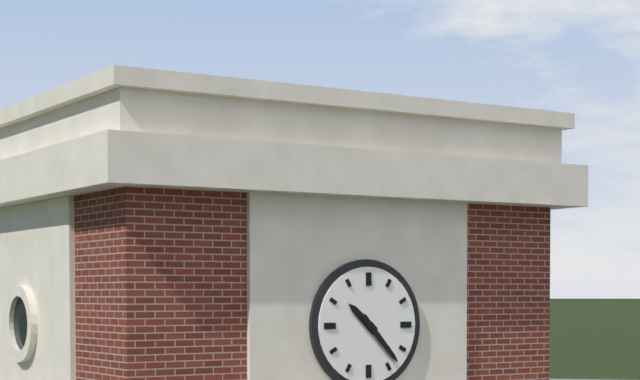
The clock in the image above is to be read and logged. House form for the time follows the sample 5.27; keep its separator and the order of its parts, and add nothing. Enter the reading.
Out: 10.23
